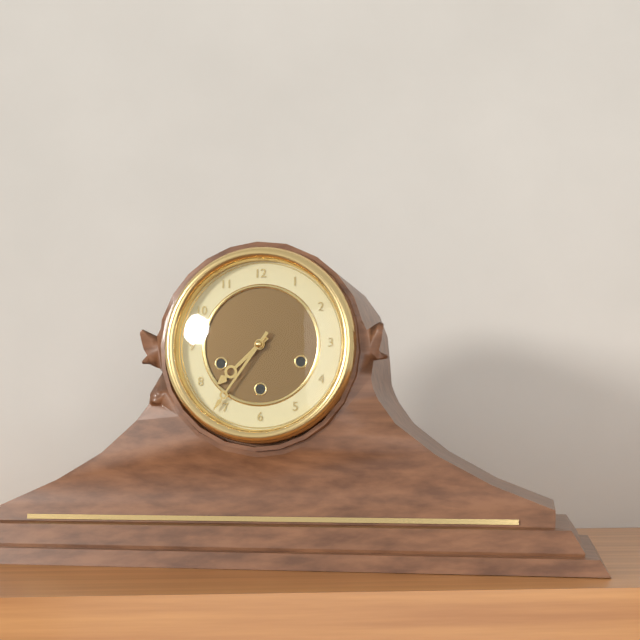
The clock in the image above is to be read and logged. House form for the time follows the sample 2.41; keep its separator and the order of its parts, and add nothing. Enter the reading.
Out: 7.36
